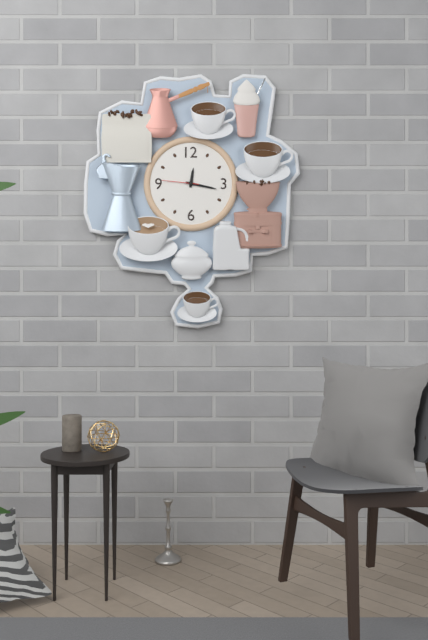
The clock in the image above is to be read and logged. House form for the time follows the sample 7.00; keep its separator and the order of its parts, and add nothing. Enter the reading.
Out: 12.17
